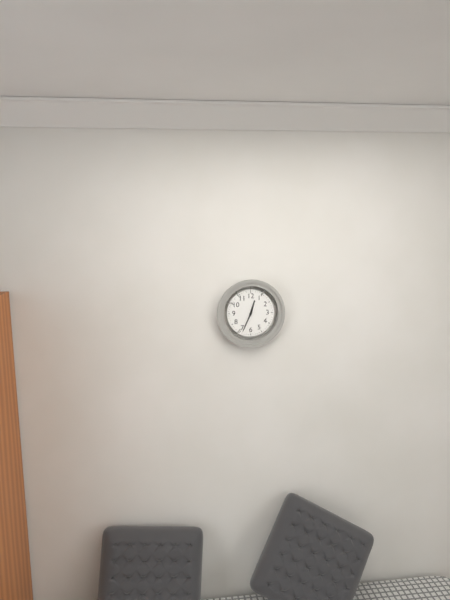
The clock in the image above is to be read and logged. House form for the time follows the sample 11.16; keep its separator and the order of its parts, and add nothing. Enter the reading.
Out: 12.34
